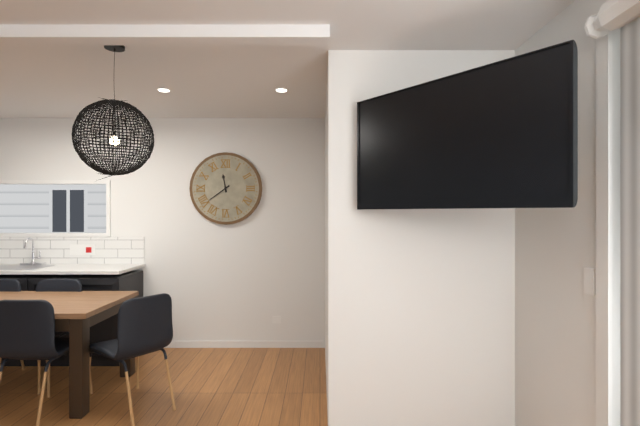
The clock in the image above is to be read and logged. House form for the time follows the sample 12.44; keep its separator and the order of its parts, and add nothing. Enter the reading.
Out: 11.39
